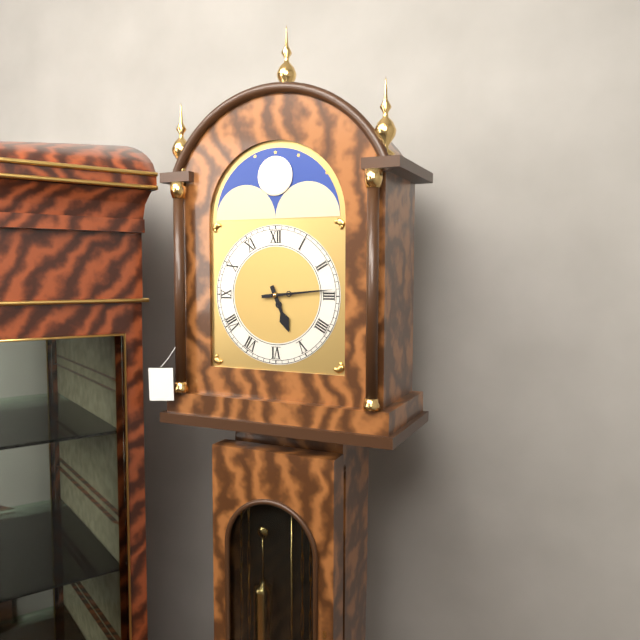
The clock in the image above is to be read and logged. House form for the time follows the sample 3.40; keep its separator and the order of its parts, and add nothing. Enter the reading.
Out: 5.14
